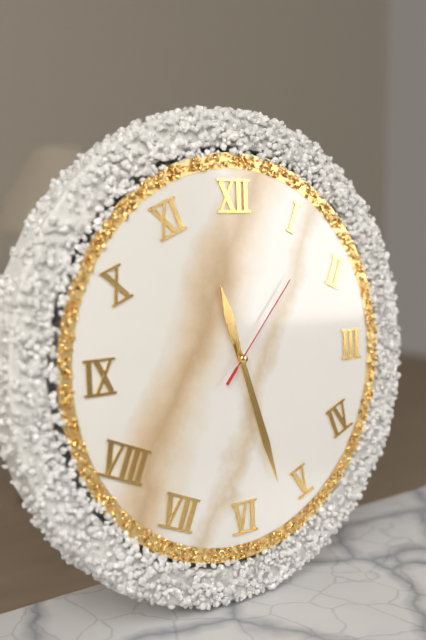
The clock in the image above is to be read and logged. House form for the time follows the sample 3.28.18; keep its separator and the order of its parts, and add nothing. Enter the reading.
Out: 11.27.07
